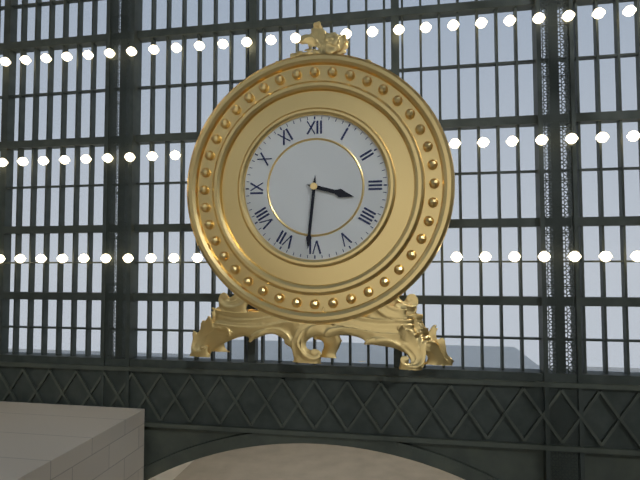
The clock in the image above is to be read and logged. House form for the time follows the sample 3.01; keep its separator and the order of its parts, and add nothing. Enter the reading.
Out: 3.31
